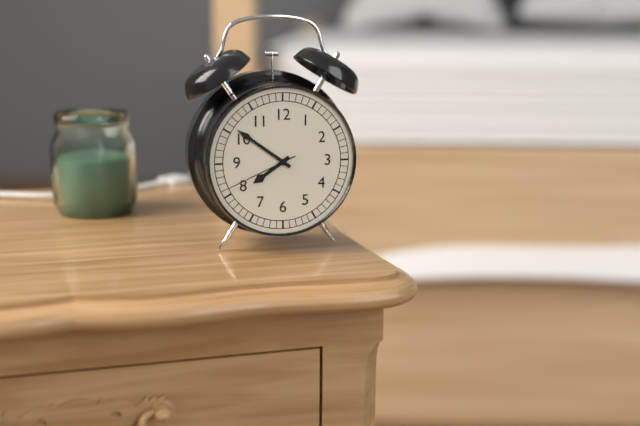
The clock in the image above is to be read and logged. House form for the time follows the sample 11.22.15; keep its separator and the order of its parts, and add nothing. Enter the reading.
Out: 7.51.41
